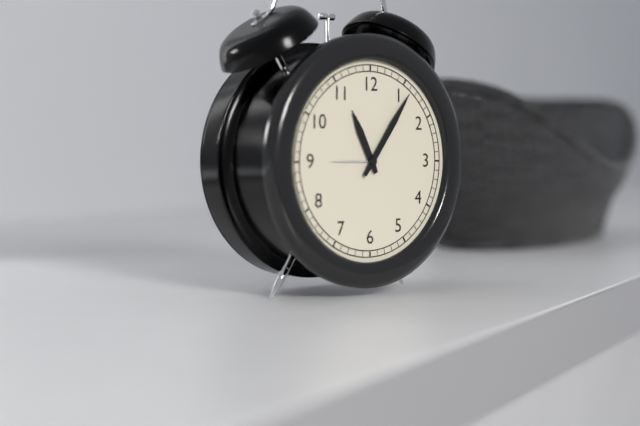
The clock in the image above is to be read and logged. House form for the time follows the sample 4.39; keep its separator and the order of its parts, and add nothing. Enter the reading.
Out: 11.06
